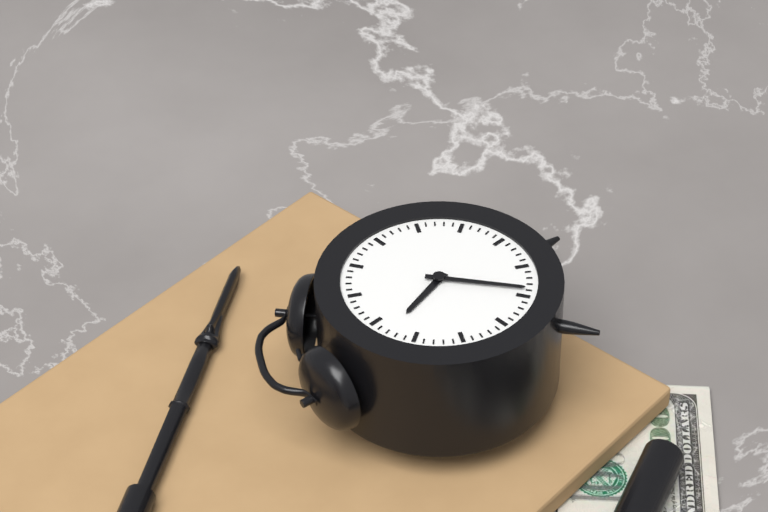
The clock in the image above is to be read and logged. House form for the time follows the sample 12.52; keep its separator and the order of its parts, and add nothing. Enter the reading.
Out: 10.34
